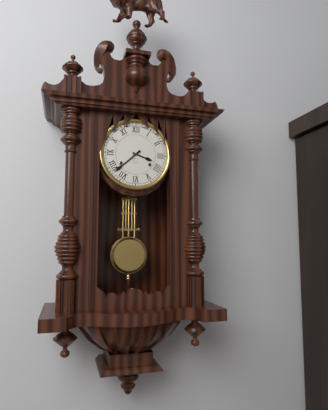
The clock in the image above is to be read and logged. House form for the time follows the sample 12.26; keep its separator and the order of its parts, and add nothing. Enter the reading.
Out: 3.38
